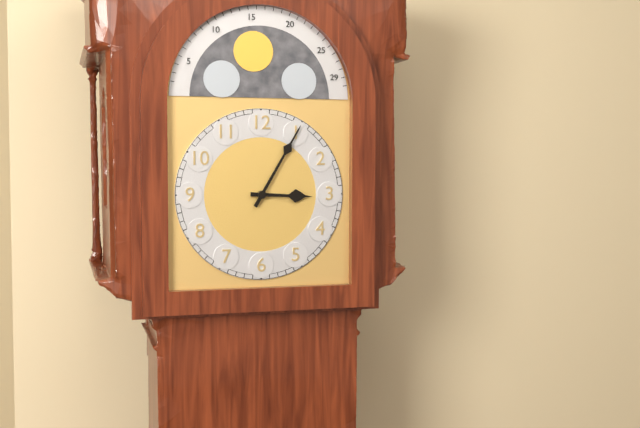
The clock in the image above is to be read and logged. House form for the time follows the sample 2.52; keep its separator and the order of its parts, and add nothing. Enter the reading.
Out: 3.05
